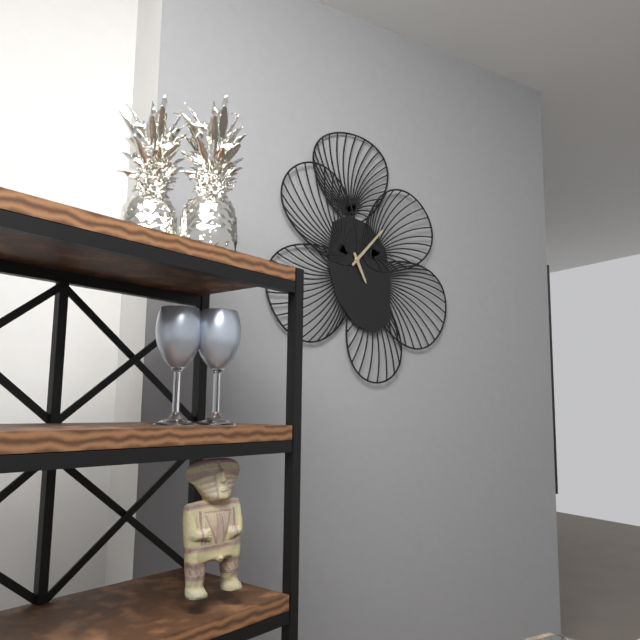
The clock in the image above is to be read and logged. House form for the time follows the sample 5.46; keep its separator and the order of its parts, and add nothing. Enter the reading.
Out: 5.07
